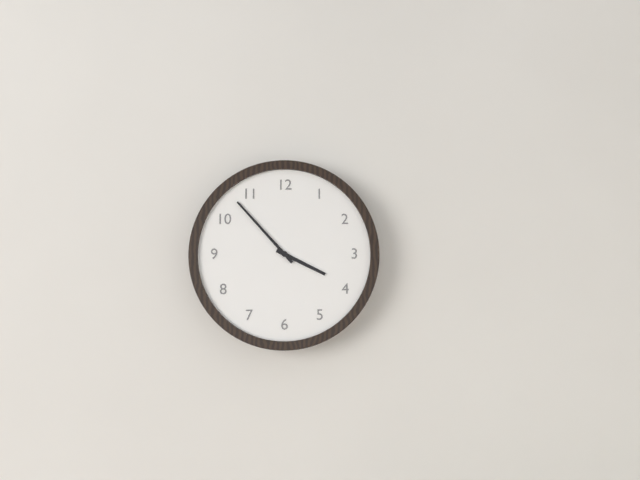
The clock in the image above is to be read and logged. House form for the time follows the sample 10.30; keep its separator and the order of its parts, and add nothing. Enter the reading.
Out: 3.53
